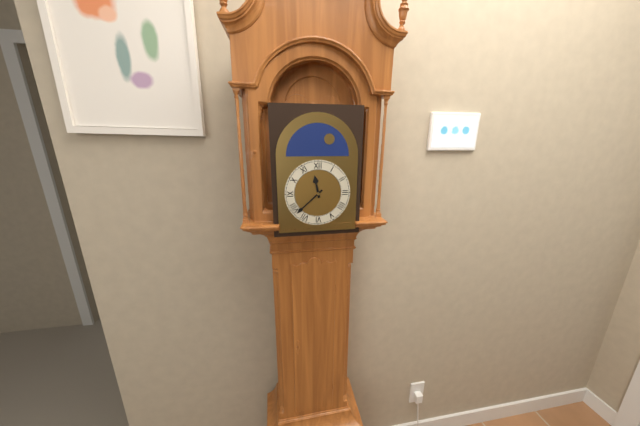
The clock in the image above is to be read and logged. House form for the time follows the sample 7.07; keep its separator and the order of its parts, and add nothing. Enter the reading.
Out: 11.38
